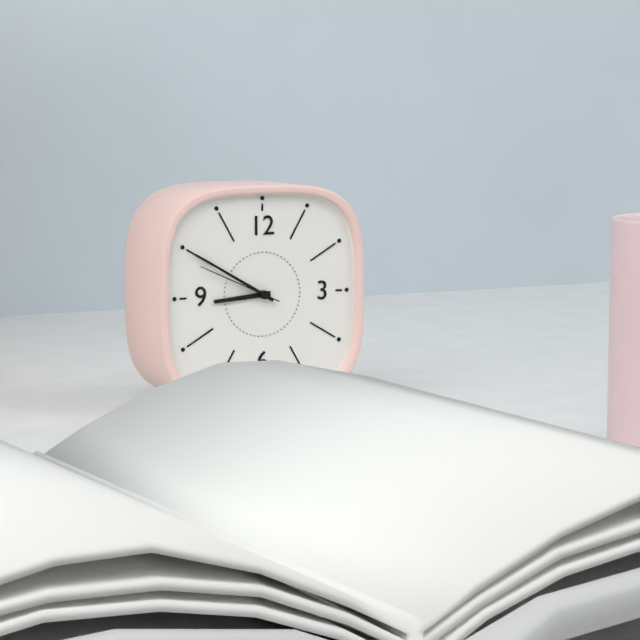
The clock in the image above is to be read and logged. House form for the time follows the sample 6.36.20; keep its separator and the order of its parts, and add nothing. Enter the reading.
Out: 8.50.49
